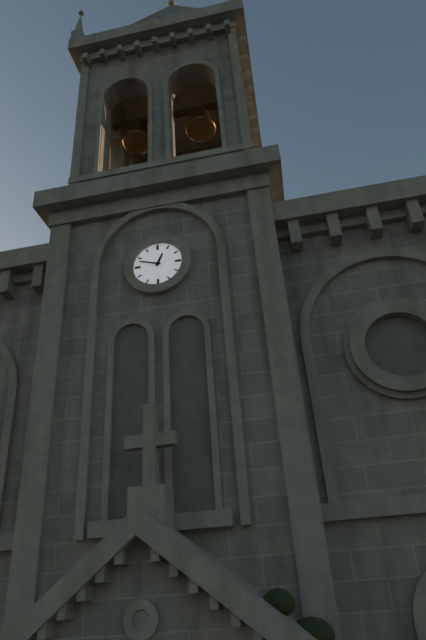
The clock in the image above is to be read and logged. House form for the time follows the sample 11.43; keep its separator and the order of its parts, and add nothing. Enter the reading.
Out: 12.48
